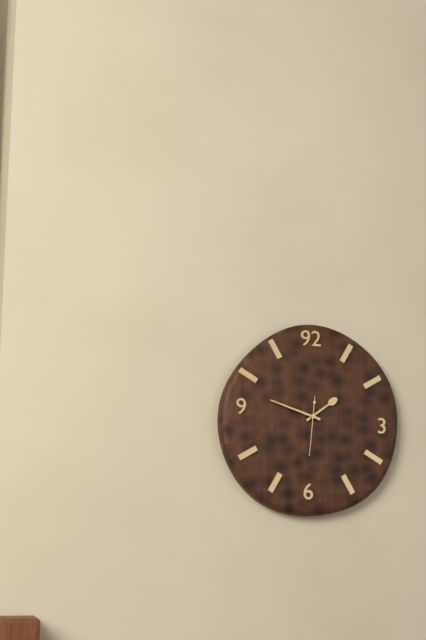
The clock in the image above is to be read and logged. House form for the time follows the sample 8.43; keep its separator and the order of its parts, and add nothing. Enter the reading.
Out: 1.48
